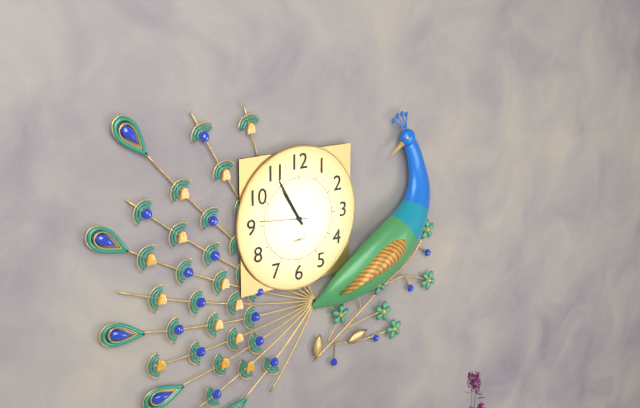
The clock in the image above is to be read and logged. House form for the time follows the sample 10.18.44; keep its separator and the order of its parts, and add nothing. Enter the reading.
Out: 10.55.46
